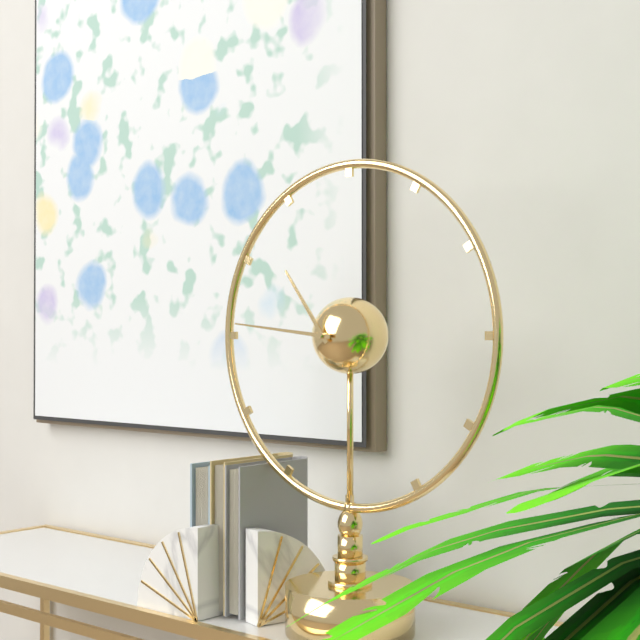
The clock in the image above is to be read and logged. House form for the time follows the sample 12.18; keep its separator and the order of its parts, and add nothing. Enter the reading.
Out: 10.46
